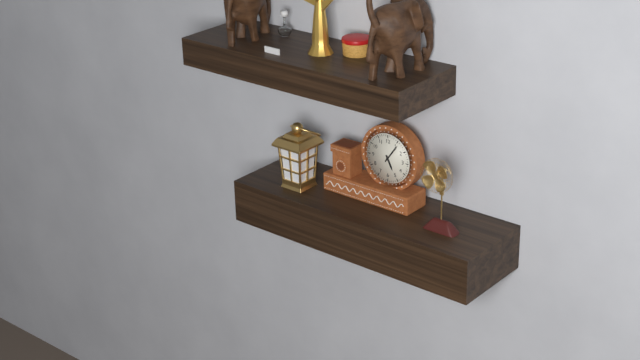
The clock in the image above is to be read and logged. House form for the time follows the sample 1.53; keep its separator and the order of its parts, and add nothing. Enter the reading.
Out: 5.06
